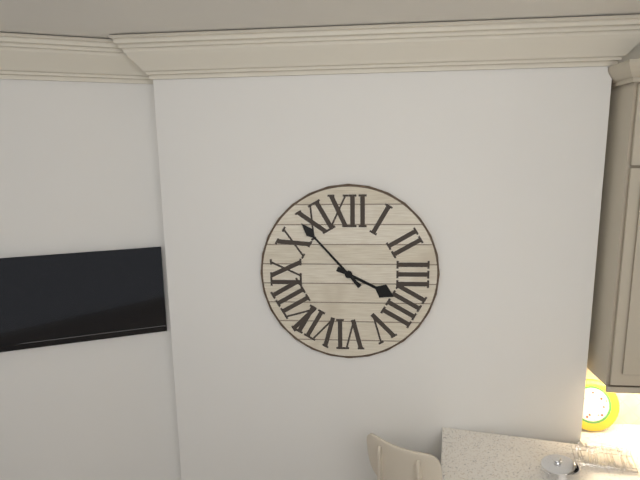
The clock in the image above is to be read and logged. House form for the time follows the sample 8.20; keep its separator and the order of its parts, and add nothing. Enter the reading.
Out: 3.53
